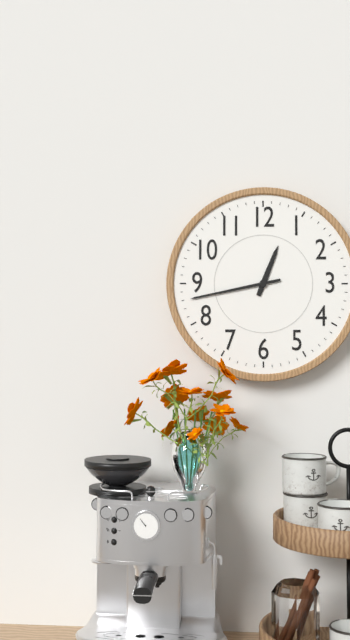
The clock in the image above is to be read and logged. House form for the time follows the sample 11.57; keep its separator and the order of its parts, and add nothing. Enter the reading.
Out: 12.43
